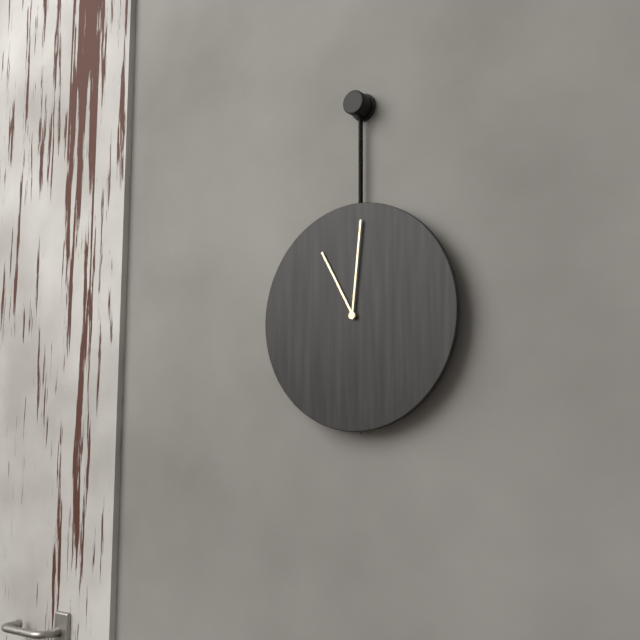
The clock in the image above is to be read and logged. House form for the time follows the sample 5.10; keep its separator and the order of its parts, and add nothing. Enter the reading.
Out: 11.01
